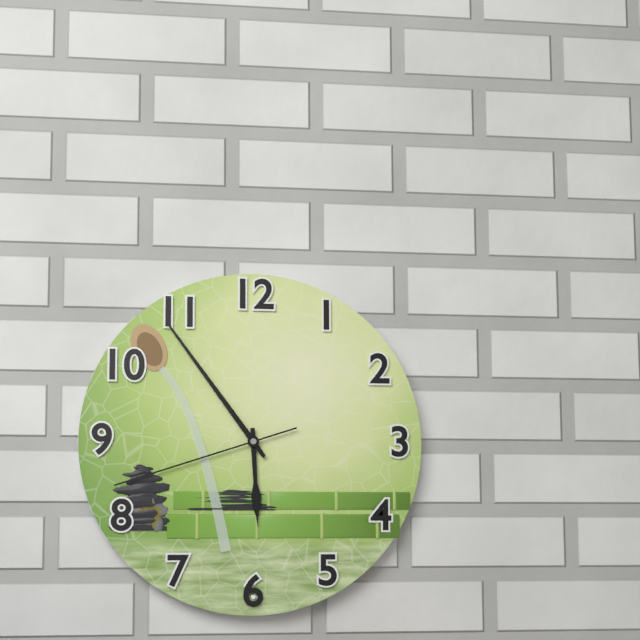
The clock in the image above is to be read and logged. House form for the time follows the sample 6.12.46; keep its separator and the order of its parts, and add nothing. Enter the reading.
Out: 5.54.42
